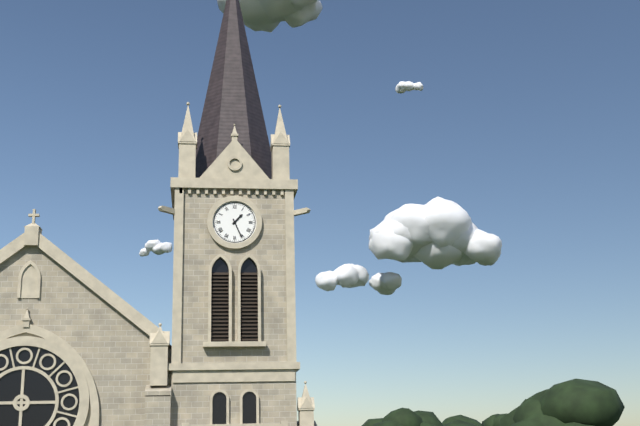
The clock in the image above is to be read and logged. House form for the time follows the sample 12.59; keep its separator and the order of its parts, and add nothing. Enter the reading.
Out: 1.26
